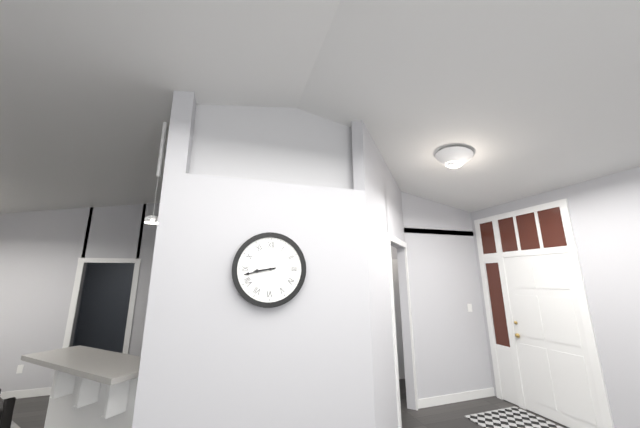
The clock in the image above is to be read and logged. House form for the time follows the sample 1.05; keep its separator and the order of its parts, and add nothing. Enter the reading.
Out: 8.43
